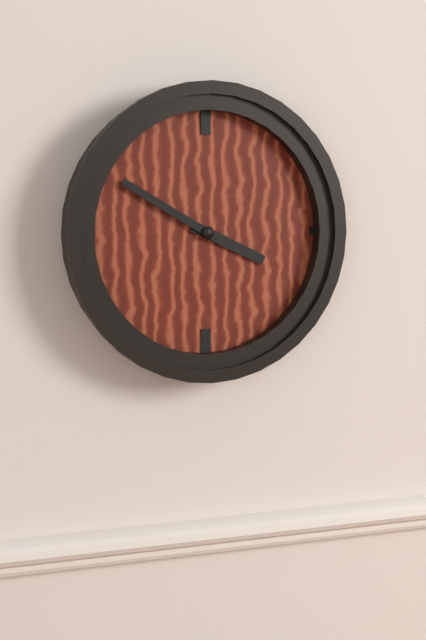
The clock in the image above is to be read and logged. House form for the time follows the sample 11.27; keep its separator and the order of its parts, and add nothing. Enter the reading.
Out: 3.50
